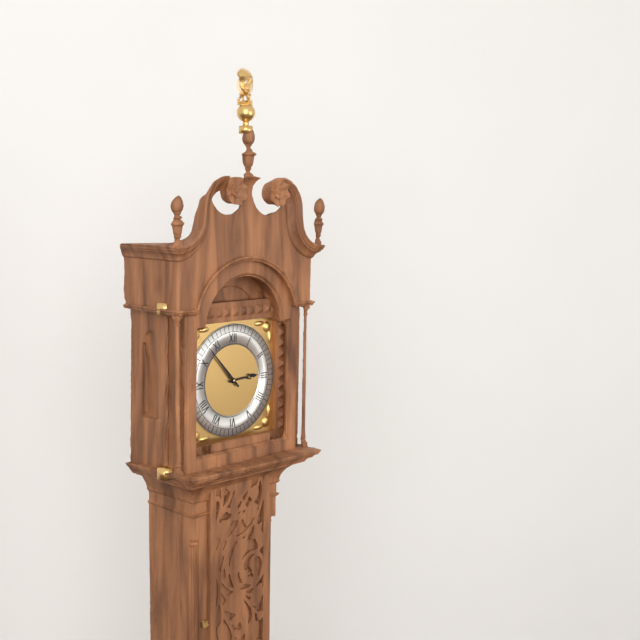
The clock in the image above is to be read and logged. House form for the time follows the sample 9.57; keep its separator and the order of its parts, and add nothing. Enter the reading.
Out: 2.53
